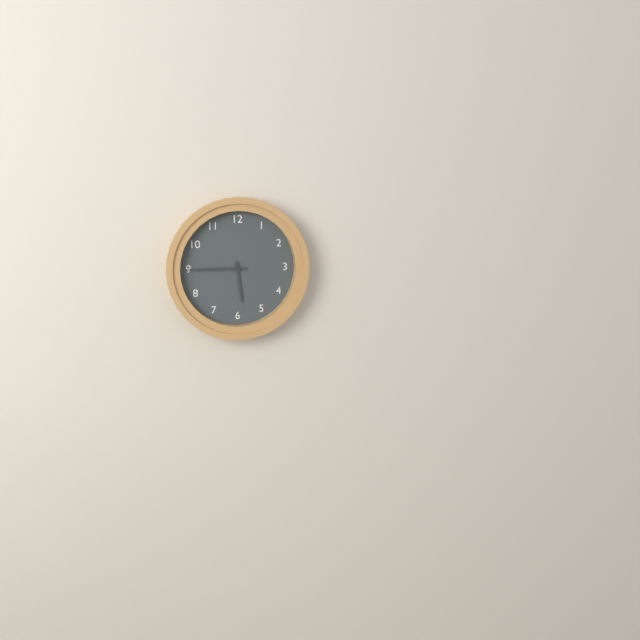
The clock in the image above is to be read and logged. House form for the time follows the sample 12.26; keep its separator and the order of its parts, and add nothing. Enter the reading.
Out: 5.45
